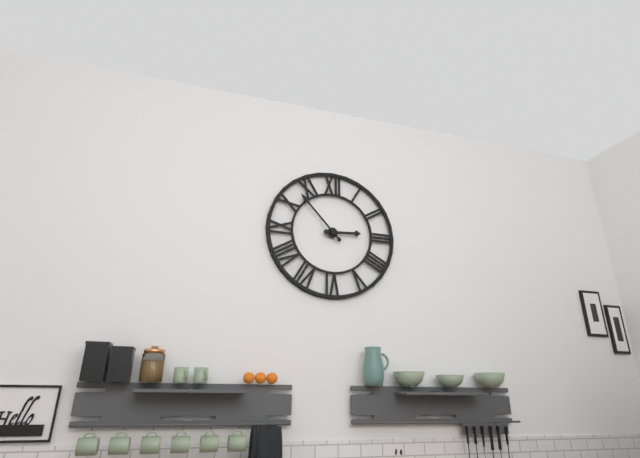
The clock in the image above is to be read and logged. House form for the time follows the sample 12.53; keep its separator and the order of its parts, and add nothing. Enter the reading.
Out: 2.53
